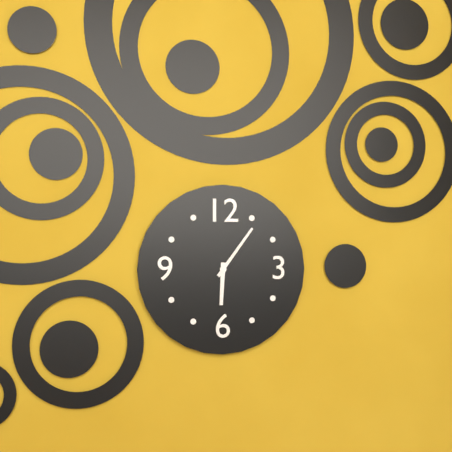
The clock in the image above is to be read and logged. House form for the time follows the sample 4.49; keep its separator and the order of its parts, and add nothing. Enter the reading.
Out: 6.06
